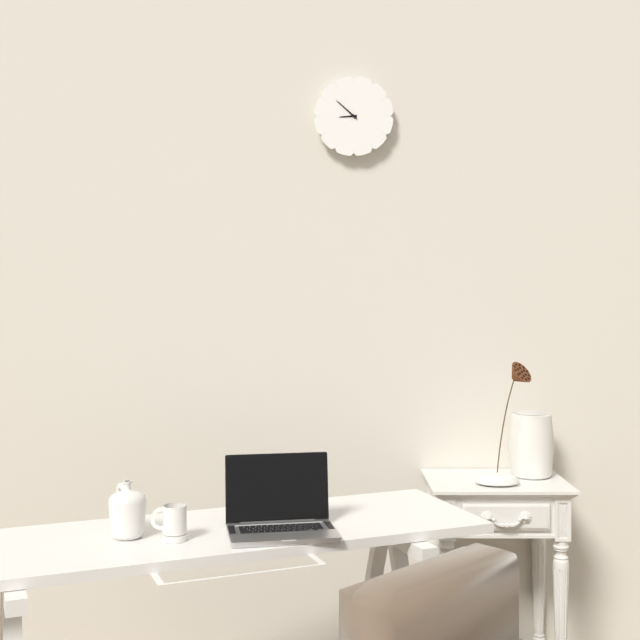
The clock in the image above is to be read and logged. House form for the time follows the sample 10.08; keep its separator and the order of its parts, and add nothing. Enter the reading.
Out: 8.52
